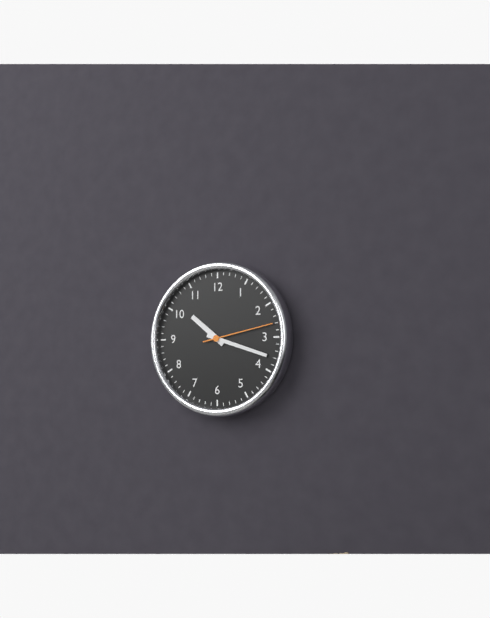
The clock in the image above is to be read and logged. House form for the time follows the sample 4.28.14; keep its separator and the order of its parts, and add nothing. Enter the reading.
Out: 10.18.13
